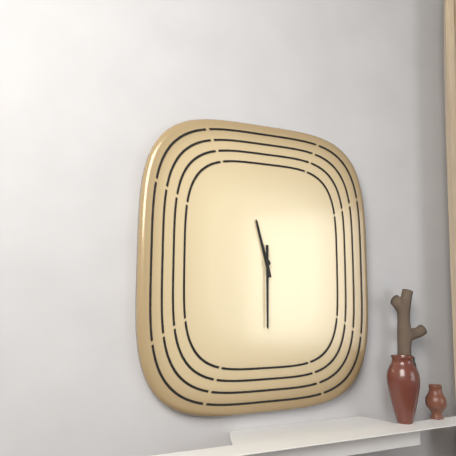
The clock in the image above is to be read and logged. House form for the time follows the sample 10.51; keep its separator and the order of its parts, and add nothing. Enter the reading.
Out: 11.30
